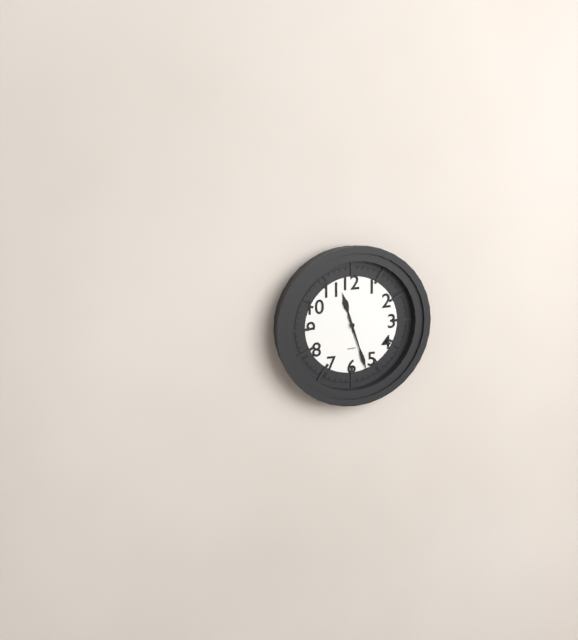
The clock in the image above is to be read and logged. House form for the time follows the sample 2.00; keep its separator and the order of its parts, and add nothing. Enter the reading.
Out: 11.27
